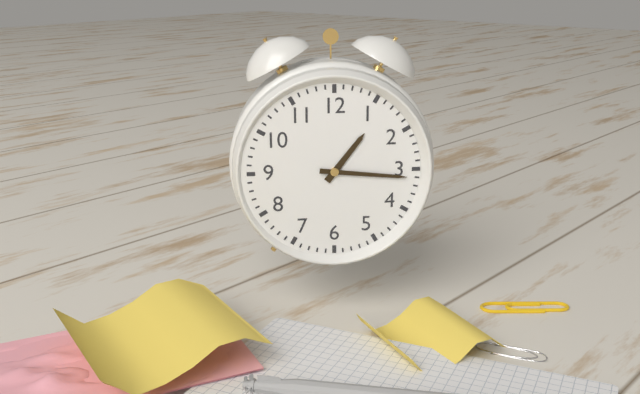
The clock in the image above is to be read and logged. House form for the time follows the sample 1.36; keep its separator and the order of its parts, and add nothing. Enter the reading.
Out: 1.16
